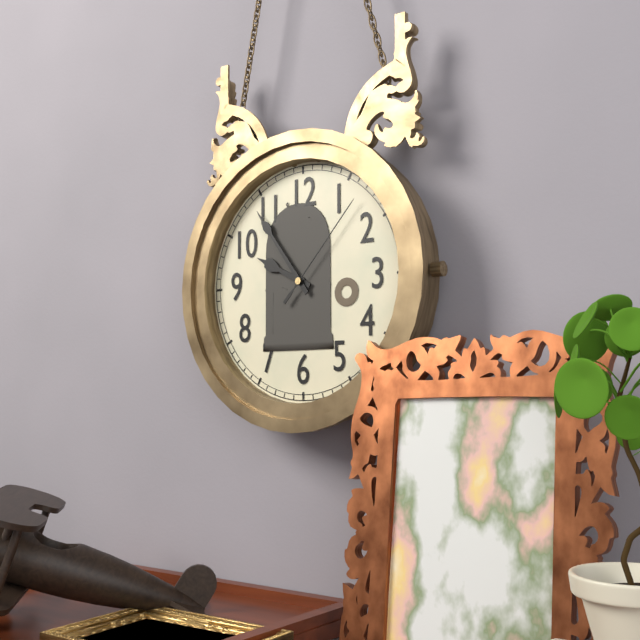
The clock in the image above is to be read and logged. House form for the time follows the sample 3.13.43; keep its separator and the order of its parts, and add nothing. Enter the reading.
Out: 9.54.07
